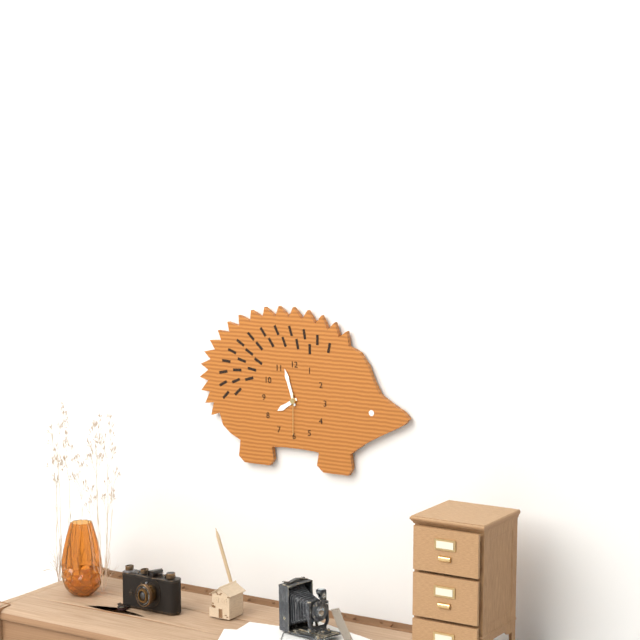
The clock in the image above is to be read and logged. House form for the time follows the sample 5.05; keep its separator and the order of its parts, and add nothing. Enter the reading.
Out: 7.57
